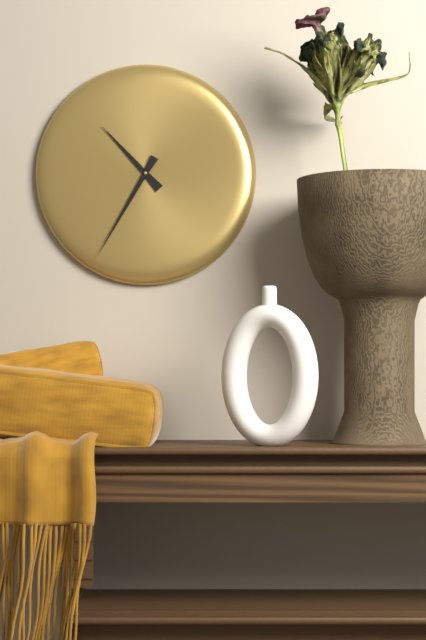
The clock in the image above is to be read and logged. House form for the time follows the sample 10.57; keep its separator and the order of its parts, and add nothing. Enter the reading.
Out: 10.35
